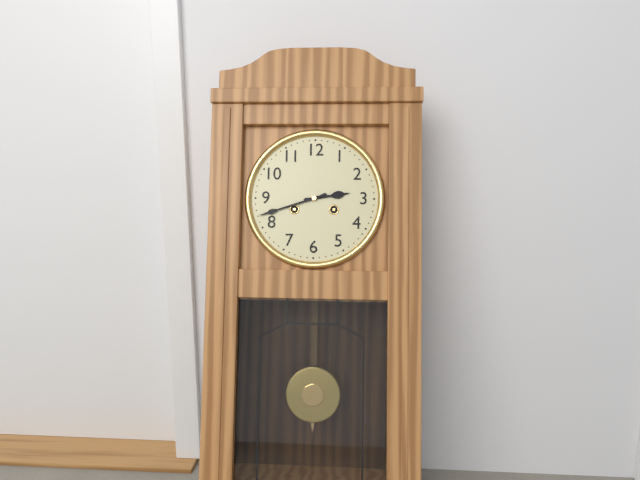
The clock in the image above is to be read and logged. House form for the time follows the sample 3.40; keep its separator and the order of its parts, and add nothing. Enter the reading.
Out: 2.42
